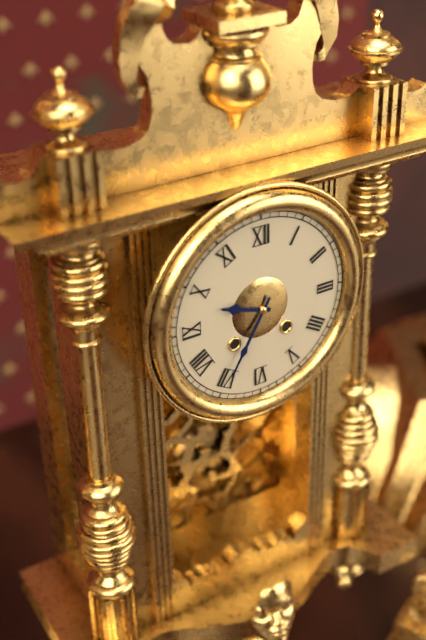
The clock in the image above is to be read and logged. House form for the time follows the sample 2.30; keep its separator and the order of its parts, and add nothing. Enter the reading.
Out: 9.35
